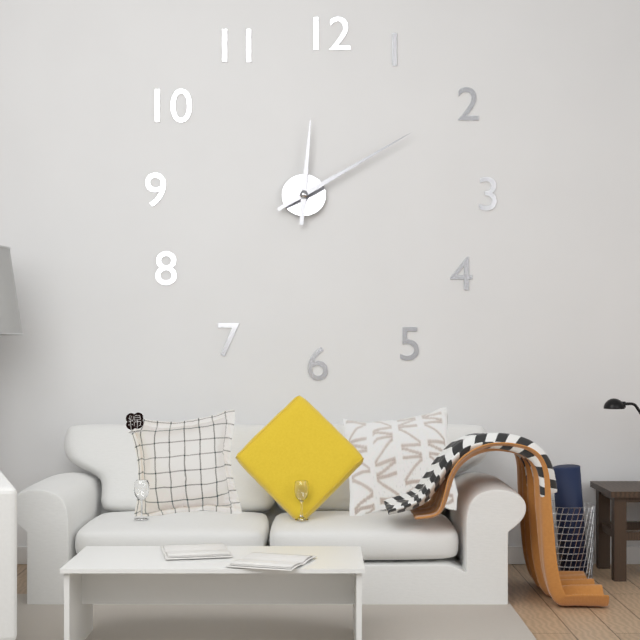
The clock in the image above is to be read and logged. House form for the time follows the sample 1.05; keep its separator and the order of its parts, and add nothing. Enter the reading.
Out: 12.10
